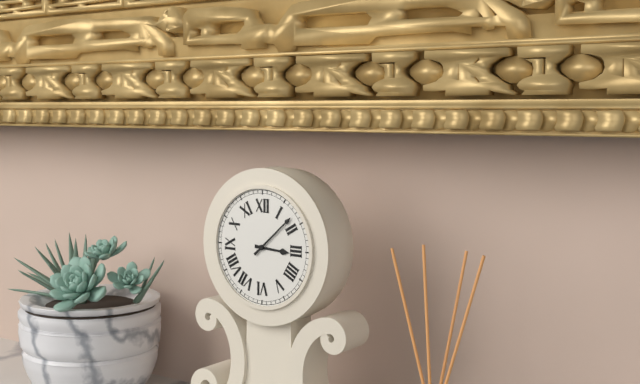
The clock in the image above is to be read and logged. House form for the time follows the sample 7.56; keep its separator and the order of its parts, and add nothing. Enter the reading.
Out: 3.08
